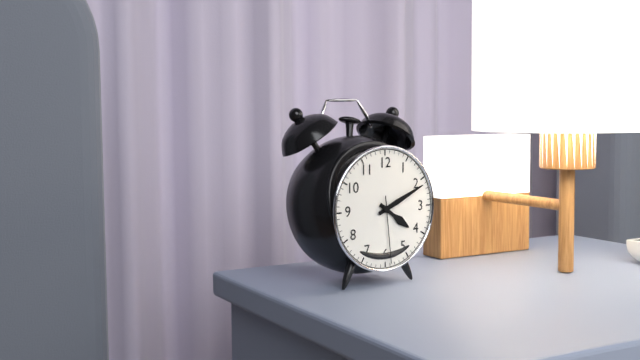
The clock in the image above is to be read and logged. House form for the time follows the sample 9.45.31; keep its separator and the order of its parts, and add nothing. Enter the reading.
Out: 4.11.29
